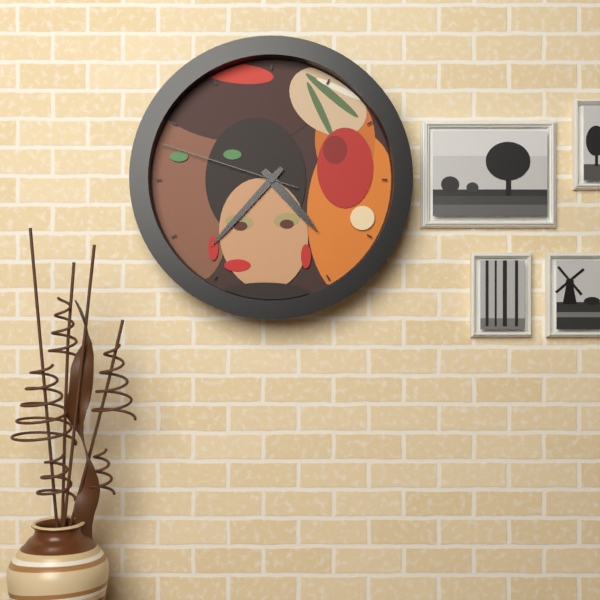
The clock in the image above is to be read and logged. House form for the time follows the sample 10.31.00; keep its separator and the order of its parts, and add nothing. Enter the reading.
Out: 4.37.48
